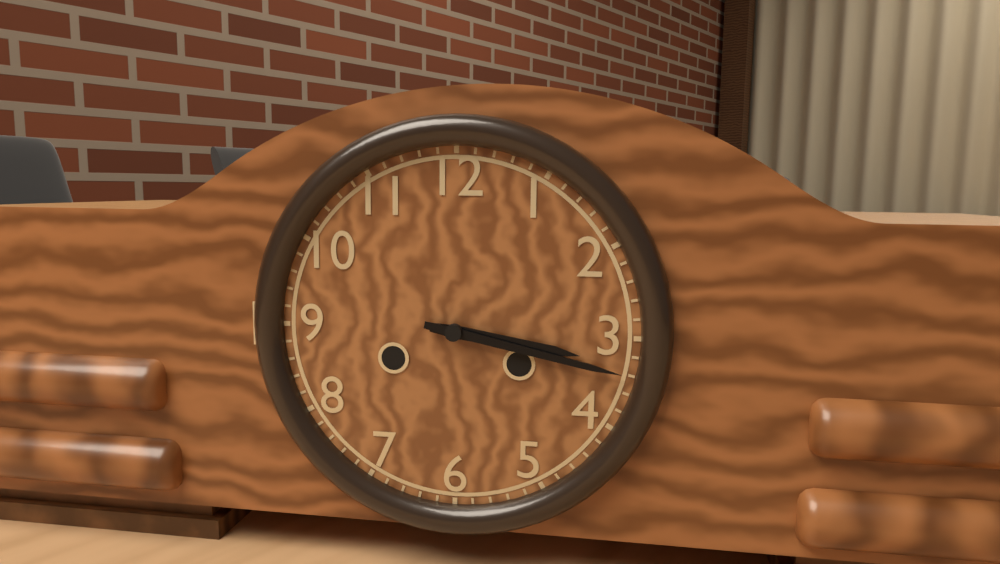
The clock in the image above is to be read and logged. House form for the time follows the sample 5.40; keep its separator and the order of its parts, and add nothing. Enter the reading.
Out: 3.17
